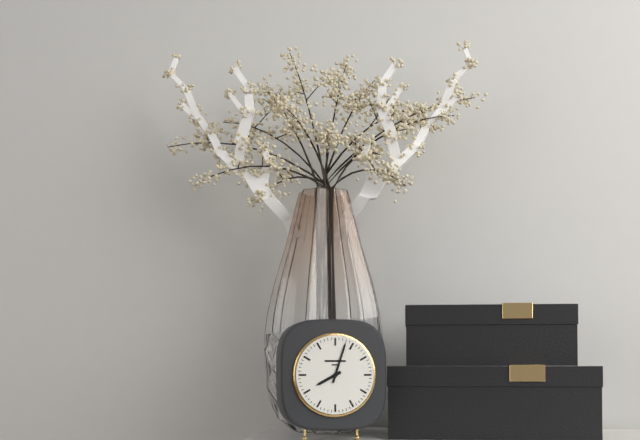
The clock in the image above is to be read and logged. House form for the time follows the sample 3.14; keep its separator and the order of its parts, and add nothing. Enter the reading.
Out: 8.03
